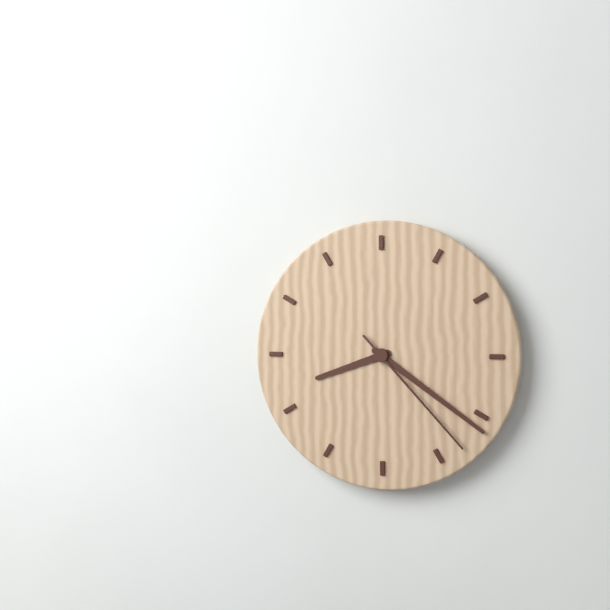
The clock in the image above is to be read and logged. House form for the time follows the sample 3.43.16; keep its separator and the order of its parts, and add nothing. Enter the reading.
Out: 8.21.23
